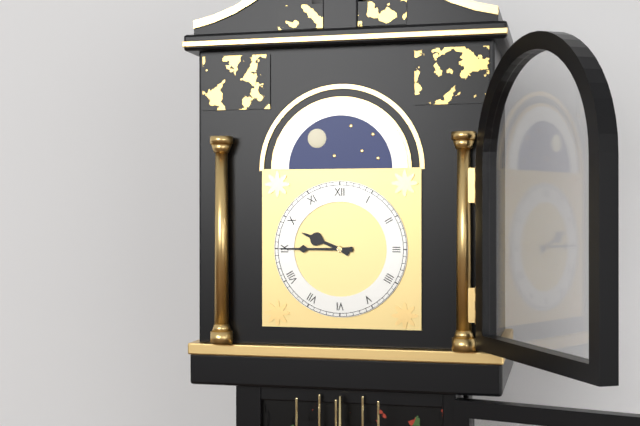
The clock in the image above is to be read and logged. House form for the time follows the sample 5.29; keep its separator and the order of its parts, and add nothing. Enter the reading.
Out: 9.45
